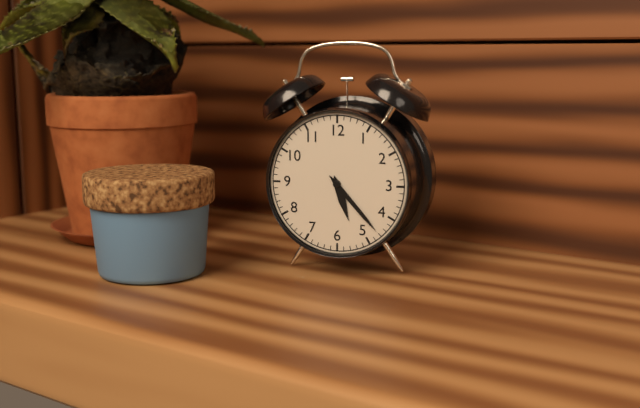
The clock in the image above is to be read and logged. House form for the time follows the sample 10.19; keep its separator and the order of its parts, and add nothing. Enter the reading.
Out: 5.23
